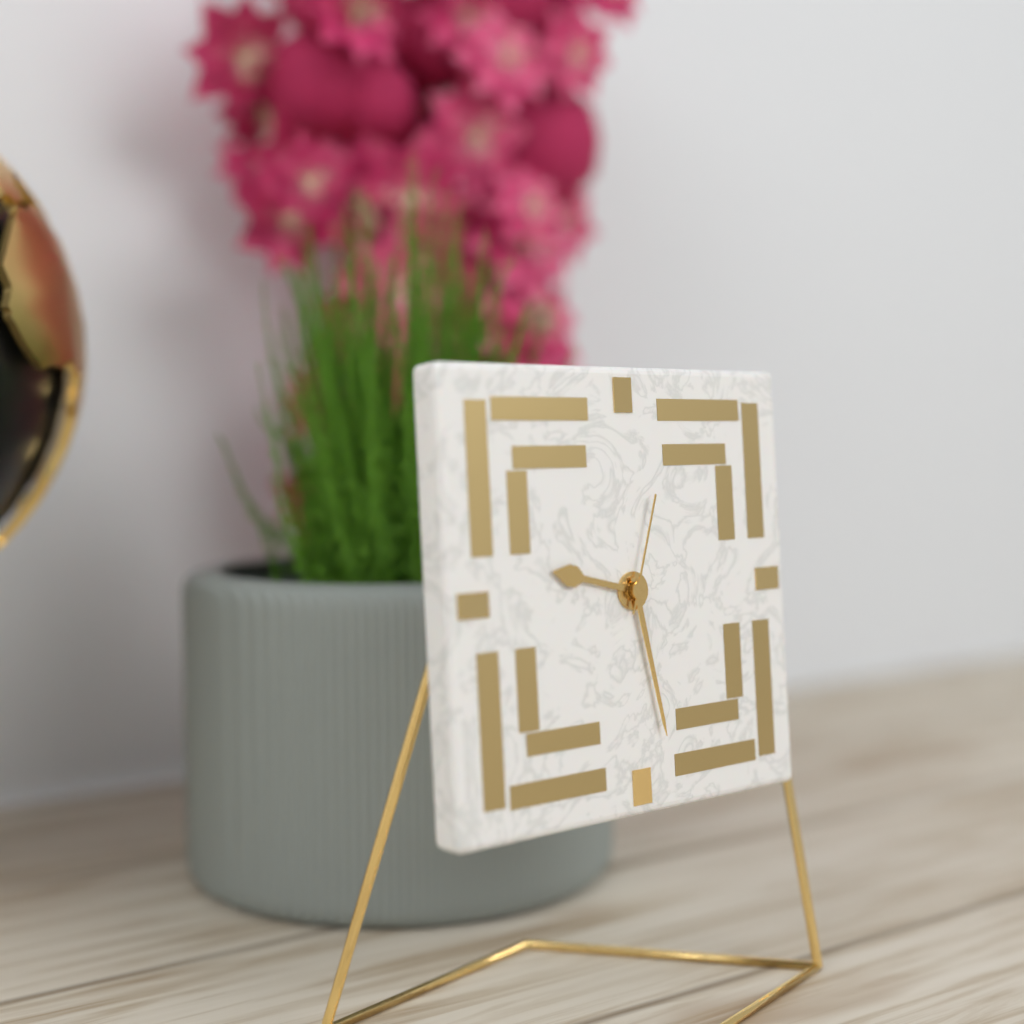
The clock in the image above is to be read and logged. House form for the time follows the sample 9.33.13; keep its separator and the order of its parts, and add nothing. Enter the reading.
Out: 9.28.03
